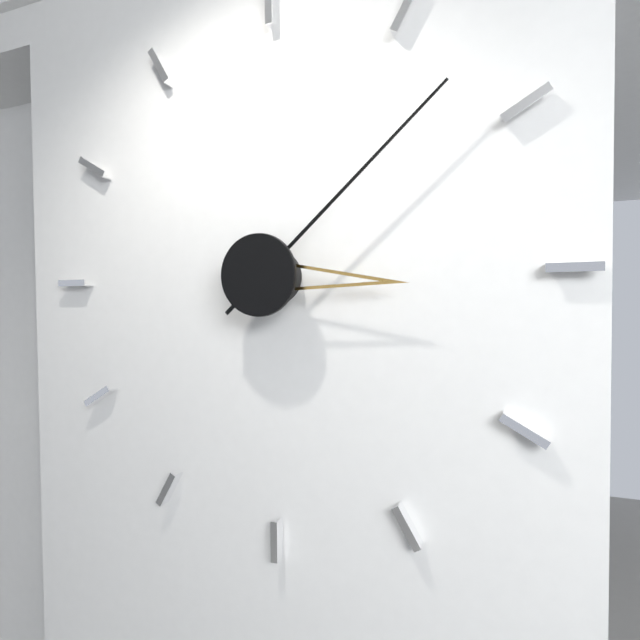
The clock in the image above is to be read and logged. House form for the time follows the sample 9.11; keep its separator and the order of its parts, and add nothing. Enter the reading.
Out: 3.08
